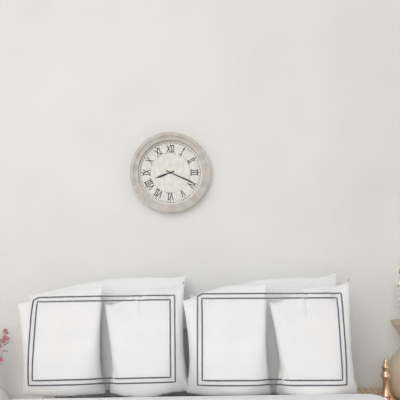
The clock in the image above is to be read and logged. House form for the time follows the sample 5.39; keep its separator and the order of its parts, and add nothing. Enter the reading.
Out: 8.19
